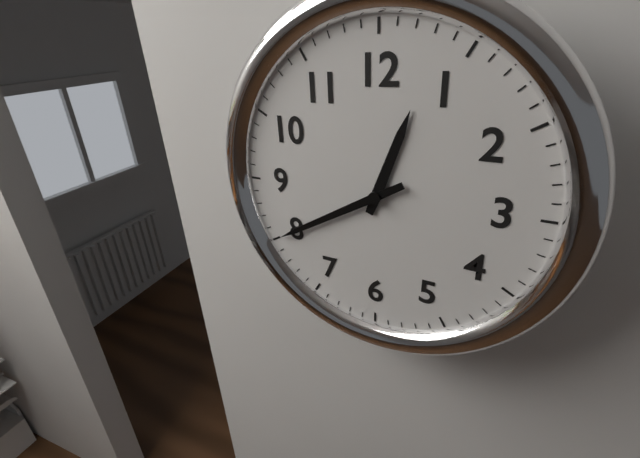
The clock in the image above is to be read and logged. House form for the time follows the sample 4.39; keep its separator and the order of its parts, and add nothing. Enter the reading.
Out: 12.40
